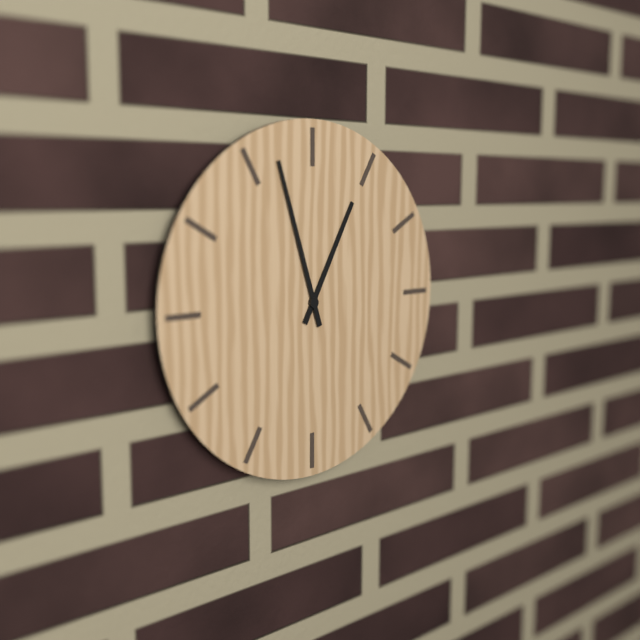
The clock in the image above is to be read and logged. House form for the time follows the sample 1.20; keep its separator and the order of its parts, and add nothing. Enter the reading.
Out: 12.57
